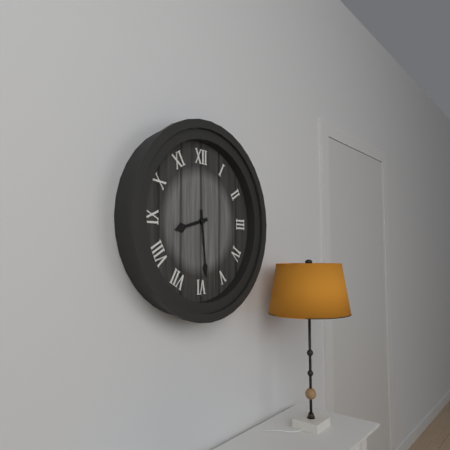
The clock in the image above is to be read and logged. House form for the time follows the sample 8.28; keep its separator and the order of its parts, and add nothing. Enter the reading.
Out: 8.29
